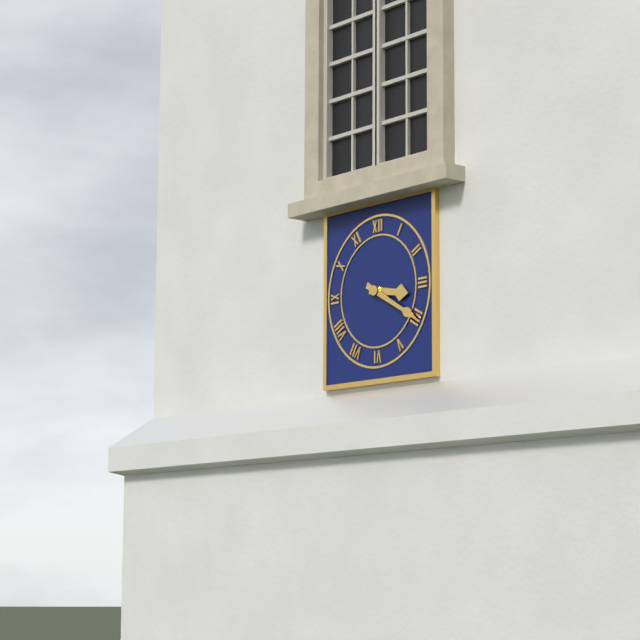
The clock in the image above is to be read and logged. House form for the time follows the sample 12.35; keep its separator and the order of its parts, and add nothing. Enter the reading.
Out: 3.20
